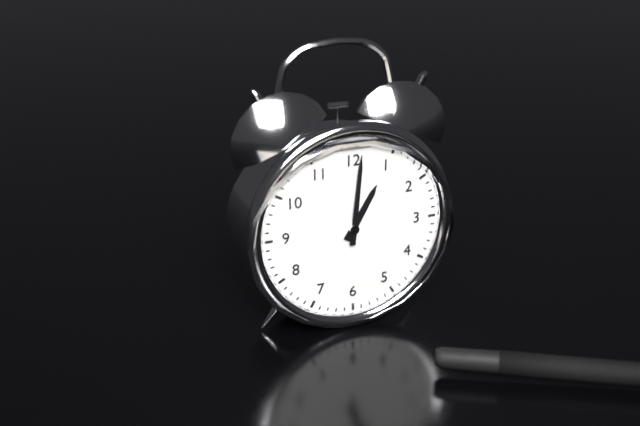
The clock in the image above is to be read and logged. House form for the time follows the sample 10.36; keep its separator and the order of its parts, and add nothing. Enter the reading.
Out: 1.01
